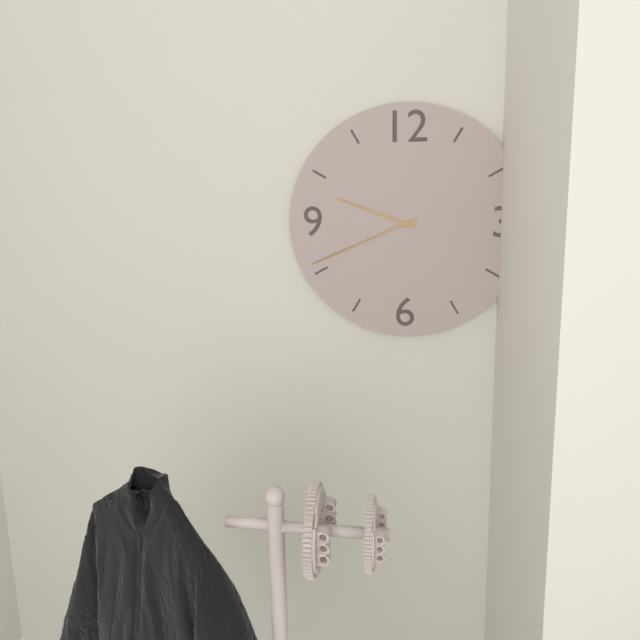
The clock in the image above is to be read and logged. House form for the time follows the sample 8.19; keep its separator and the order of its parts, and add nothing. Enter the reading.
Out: 9.41
